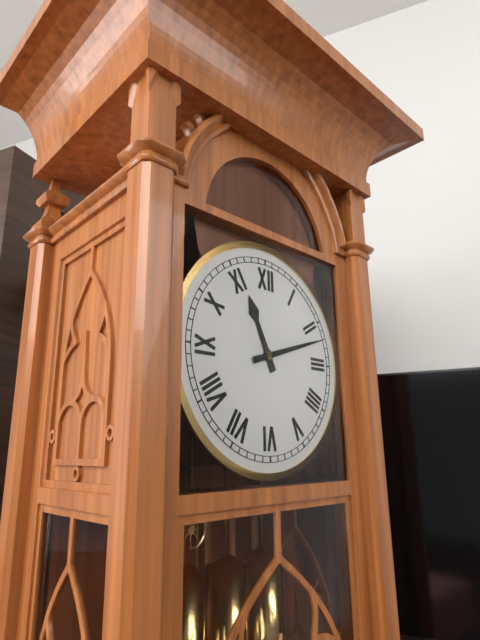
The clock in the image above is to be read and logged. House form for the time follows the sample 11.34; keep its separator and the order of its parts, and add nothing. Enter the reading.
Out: 11.12
